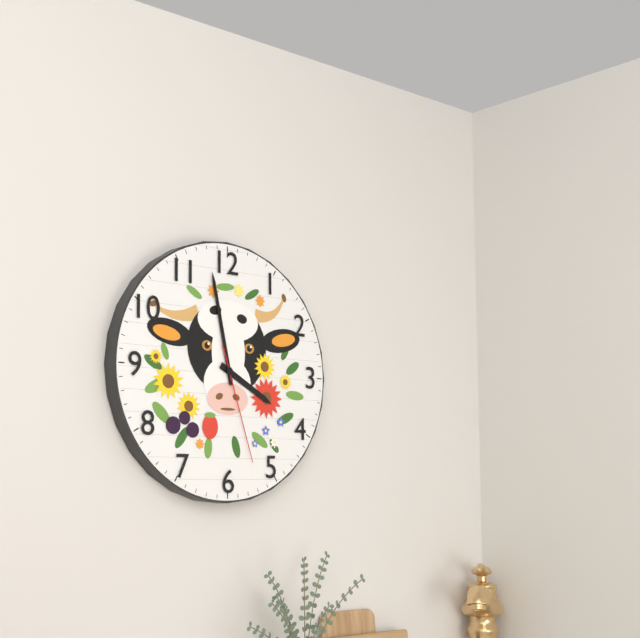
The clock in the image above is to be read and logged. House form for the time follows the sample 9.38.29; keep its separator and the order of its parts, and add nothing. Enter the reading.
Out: 3.58.27
